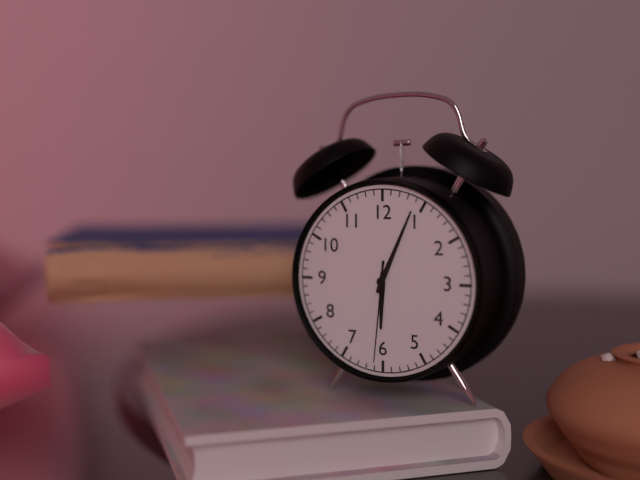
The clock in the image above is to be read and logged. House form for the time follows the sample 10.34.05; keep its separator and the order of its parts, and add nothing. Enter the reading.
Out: 6.04.31
